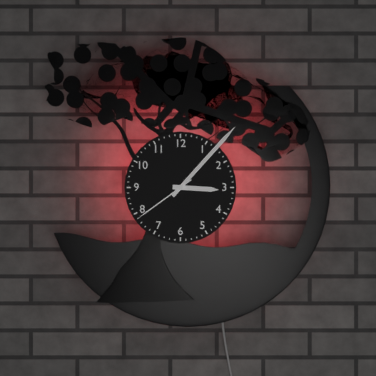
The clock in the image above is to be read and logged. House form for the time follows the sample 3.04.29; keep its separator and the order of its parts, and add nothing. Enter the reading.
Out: 3.07.39
